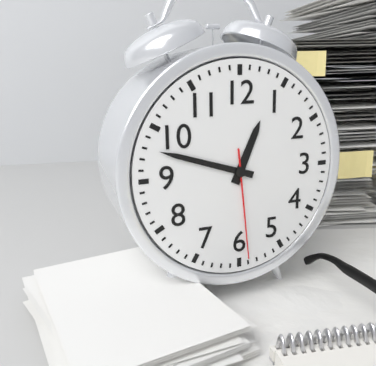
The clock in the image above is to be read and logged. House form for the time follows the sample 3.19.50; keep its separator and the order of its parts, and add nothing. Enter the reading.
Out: 12.48.29
